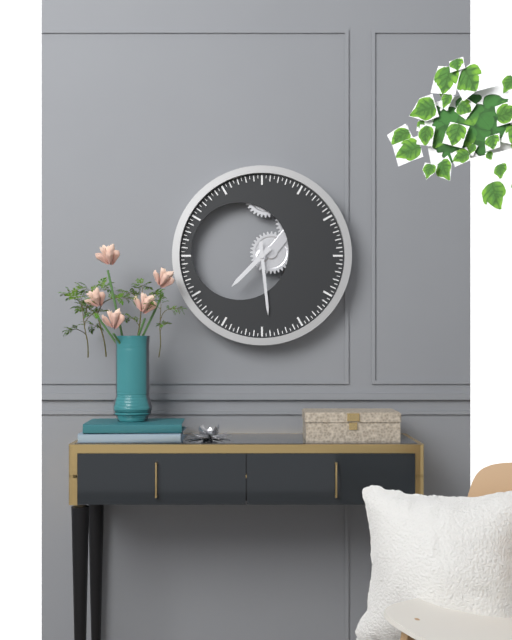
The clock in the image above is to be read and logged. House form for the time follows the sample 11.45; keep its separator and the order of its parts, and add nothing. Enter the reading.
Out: 7.29
